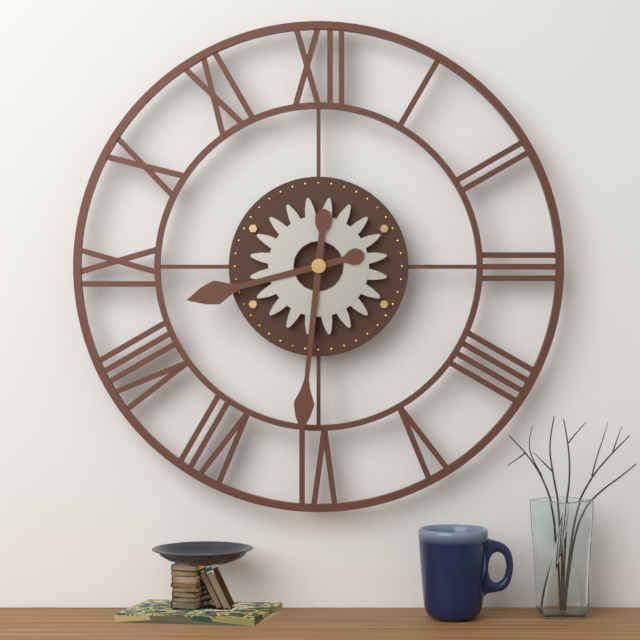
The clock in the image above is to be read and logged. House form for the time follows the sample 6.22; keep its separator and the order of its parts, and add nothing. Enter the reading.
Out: 8.31
